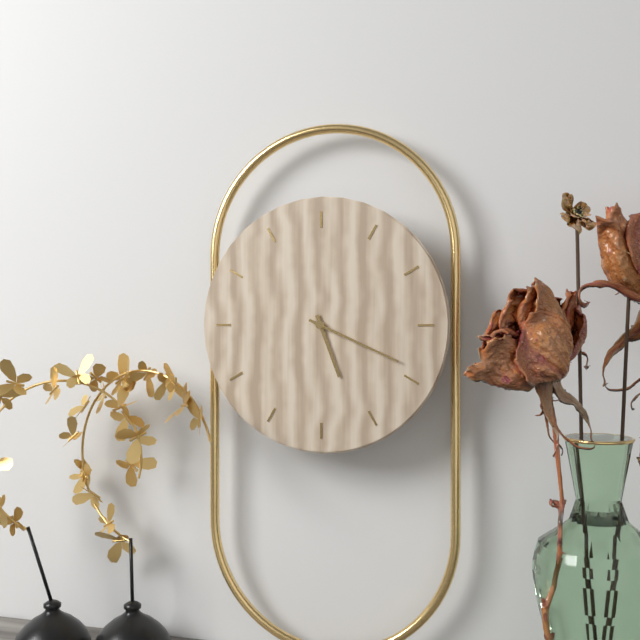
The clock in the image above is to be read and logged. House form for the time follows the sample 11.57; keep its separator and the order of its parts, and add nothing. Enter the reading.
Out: 5.19
